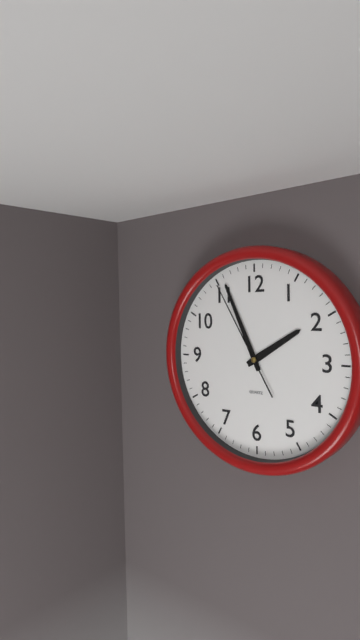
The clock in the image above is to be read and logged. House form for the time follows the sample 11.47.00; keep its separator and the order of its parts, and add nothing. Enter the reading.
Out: 1.56.55
